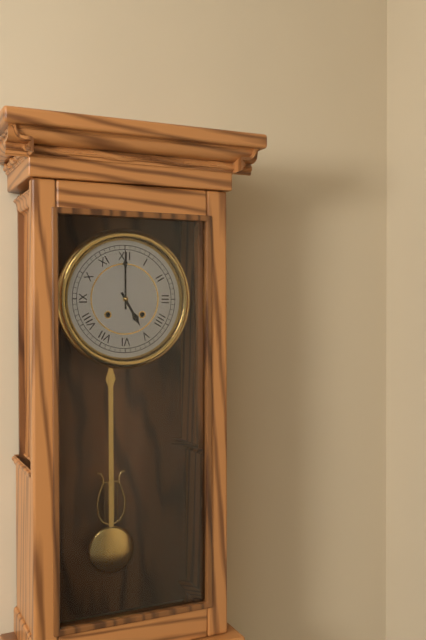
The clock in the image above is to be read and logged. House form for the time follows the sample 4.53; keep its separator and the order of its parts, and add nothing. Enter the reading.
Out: 5.00
